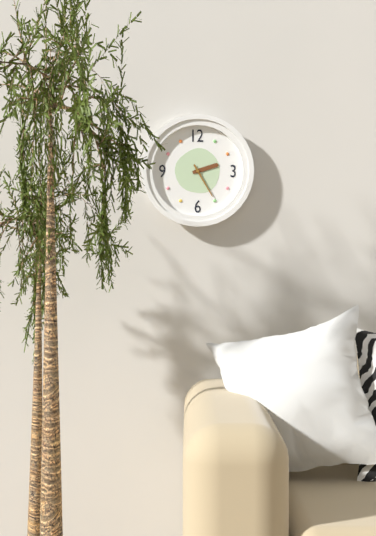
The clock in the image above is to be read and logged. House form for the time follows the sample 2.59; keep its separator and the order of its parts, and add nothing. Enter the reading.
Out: 2.25
